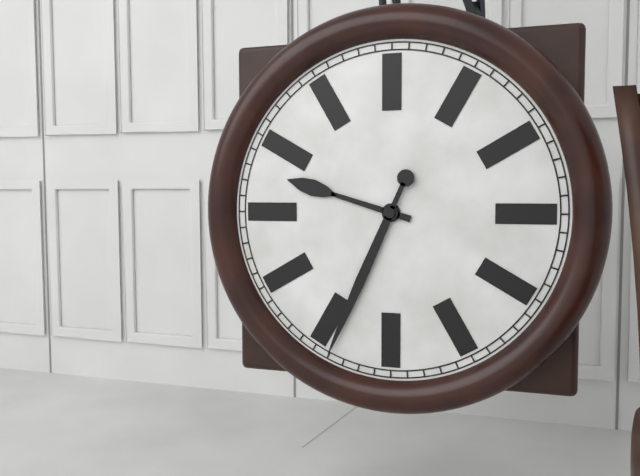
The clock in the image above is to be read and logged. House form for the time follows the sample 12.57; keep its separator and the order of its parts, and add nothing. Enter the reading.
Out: 9.34
